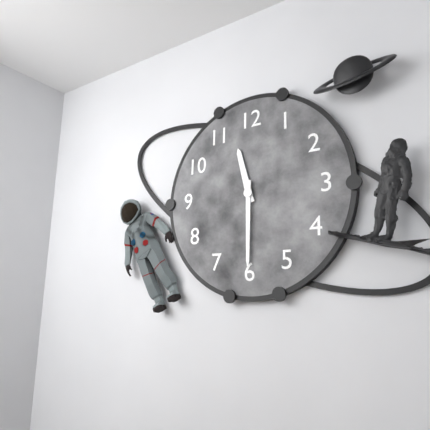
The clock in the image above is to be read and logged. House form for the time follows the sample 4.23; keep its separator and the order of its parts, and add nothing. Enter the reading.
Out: 11.30
